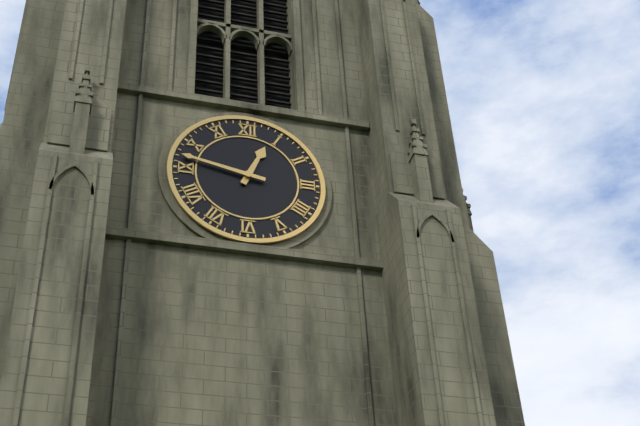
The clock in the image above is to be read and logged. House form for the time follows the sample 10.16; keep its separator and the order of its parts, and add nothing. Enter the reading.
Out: 12.47
